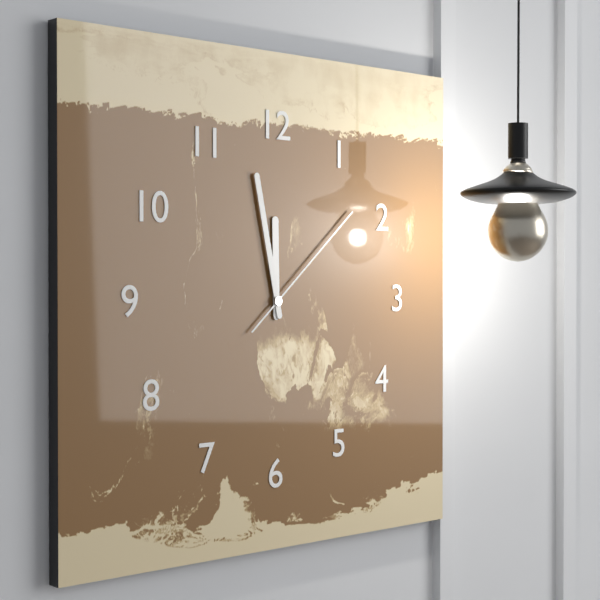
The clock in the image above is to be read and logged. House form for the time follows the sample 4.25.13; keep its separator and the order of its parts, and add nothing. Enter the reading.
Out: 11.58.08
